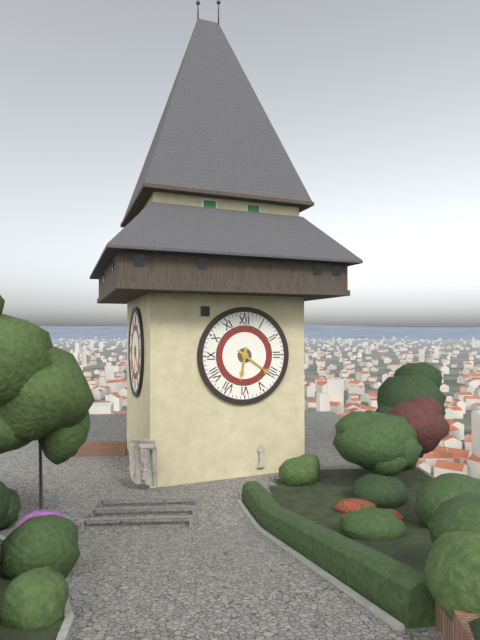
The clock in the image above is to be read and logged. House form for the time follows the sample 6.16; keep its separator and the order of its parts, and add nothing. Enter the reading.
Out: 6.21
